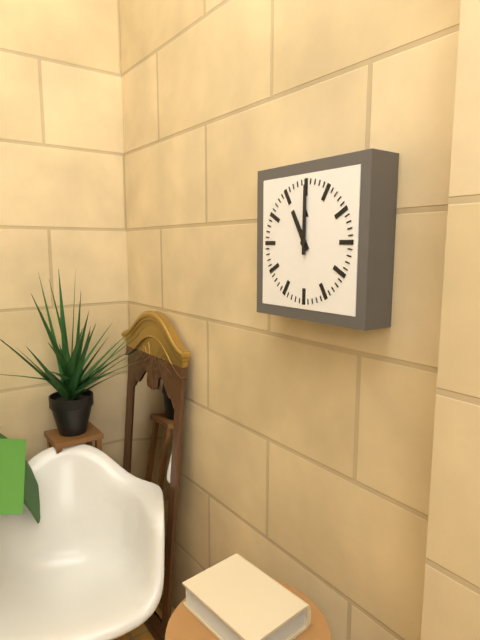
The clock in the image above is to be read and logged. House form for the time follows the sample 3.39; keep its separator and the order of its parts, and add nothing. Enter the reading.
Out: 11.00
